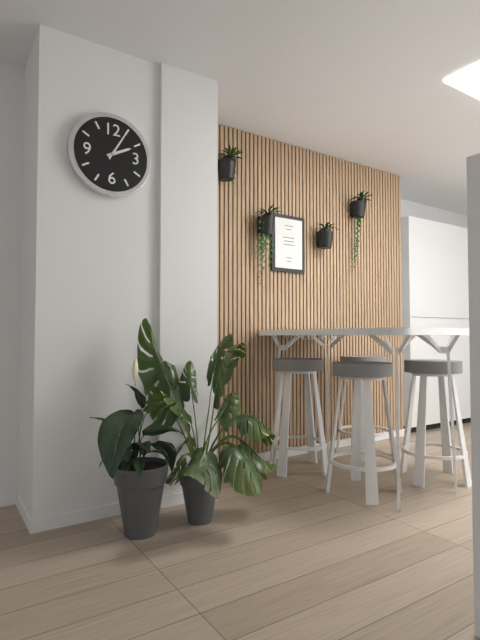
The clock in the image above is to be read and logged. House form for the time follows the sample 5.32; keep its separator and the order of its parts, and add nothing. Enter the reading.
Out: 2.05
